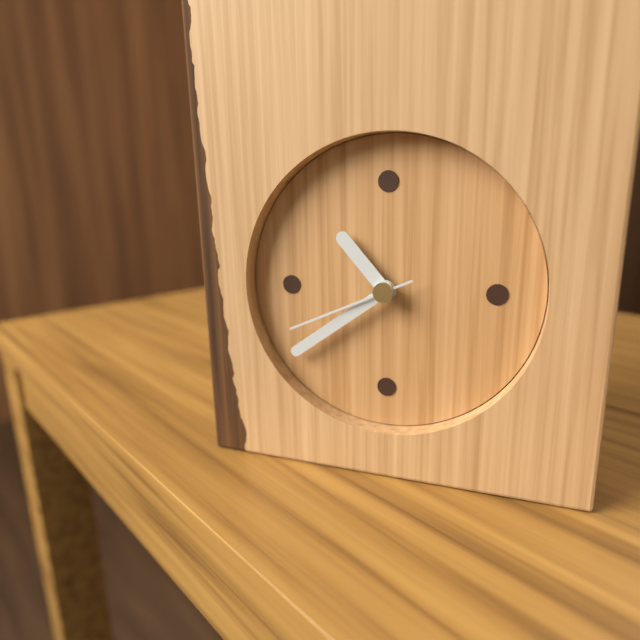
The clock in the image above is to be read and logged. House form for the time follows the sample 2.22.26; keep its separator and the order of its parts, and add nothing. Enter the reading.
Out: 10.39.41
